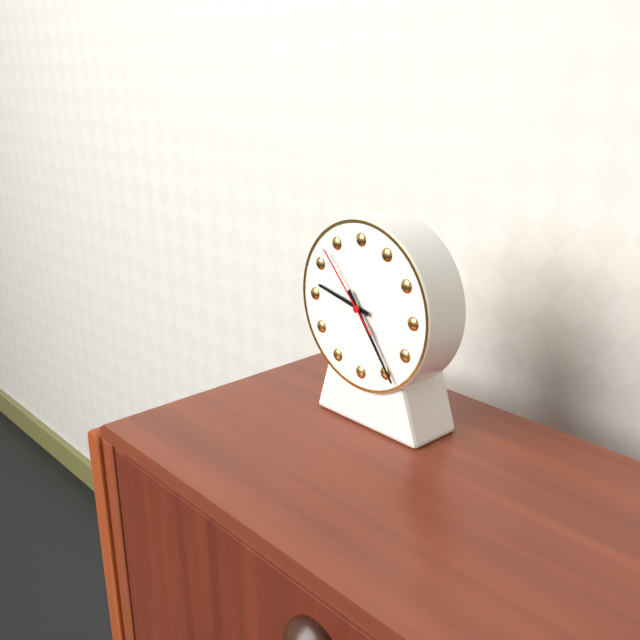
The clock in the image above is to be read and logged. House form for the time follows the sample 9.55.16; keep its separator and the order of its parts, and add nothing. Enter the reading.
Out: 9.24.53
